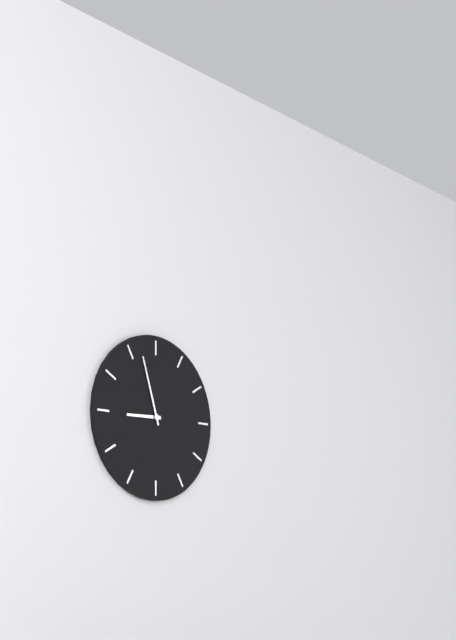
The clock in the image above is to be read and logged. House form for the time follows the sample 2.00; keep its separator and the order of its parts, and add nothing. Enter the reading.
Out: 8.57
